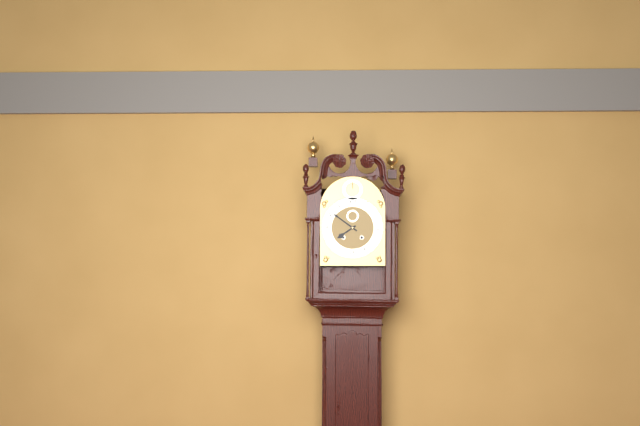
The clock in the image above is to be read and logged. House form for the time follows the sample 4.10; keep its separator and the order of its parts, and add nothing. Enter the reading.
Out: 7.51
